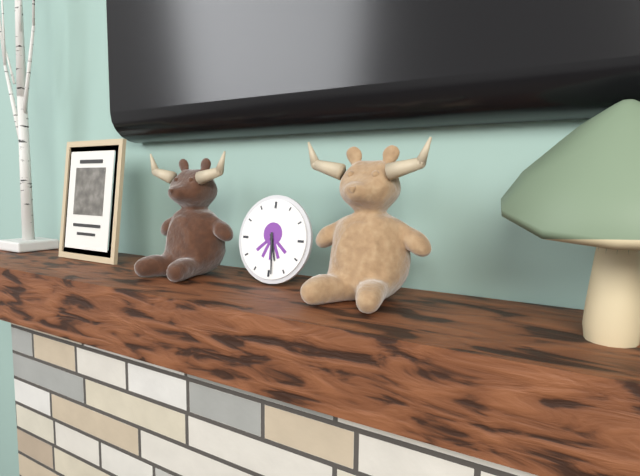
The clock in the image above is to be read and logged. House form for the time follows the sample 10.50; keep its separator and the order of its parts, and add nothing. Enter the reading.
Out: 5.29
